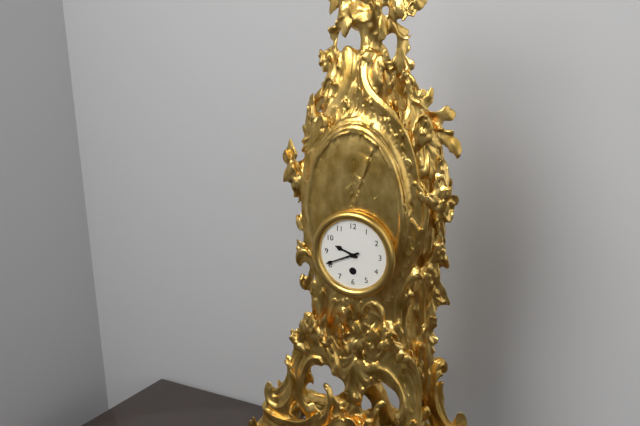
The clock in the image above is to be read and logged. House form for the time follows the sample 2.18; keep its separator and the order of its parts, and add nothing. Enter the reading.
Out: 9.41
